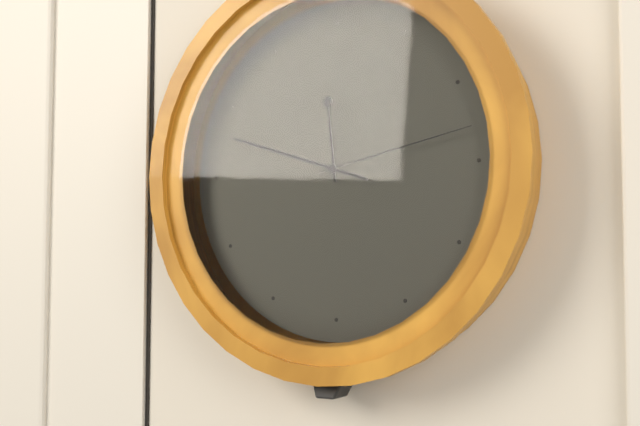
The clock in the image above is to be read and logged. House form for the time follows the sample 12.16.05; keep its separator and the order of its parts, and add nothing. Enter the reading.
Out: 11.48.13
